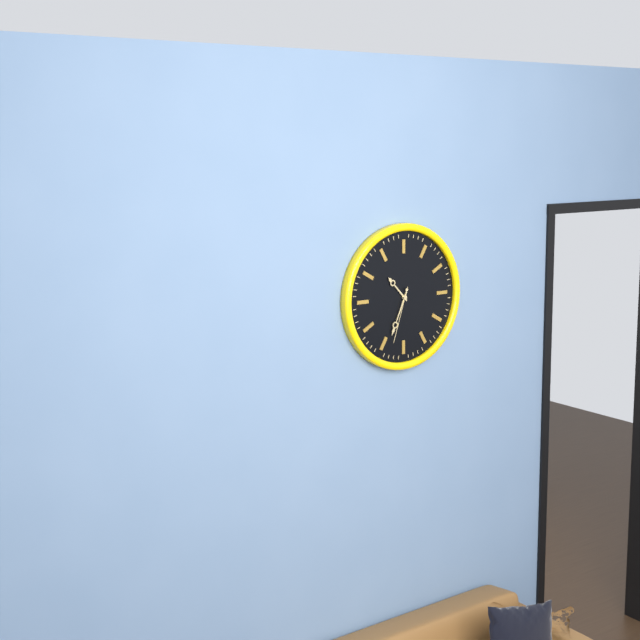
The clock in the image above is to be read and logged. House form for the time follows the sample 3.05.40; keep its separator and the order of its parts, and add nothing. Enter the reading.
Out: 10.34.33
